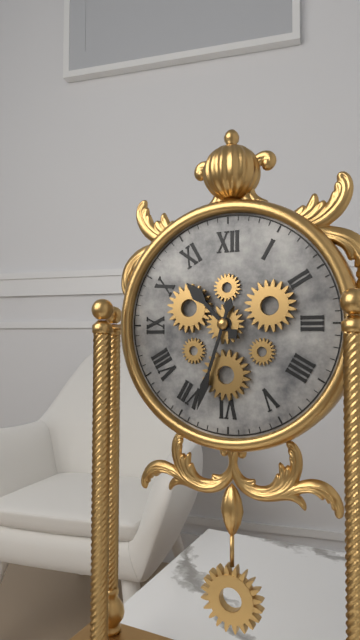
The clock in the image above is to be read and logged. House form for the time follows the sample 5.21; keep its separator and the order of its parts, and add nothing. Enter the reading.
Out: 10.33
